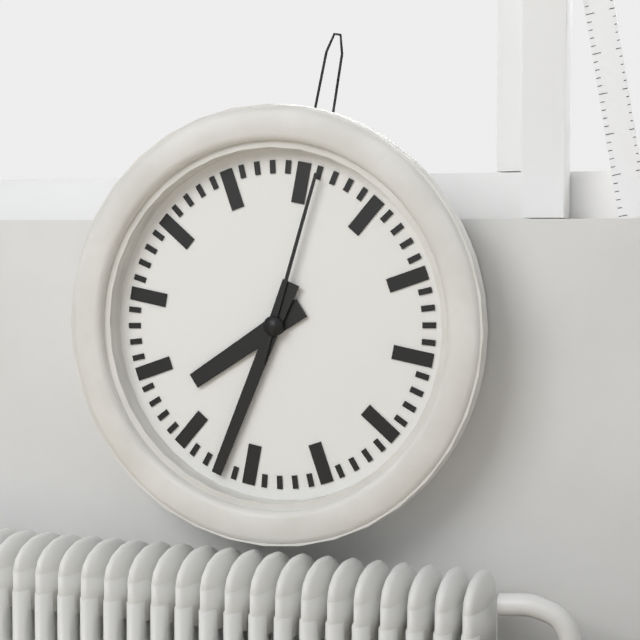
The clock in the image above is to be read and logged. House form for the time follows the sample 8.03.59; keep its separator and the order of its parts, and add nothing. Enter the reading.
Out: 7.32.01
